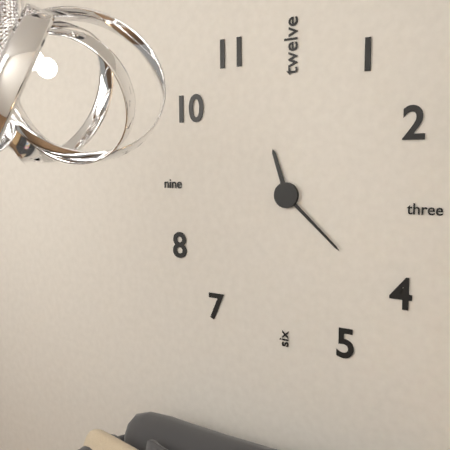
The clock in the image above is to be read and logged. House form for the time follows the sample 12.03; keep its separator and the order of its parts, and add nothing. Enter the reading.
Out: 11.22
